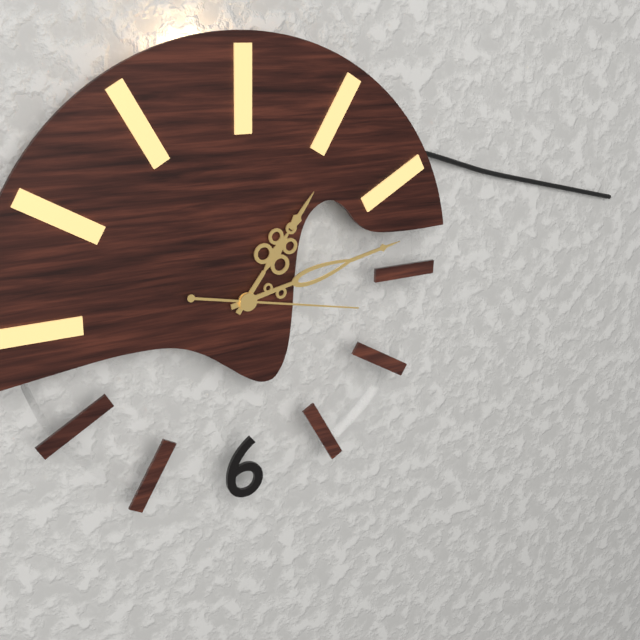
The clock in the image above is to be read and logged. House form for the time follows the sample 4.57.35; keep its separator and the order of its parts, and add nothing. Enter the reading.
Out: 1.13.17
